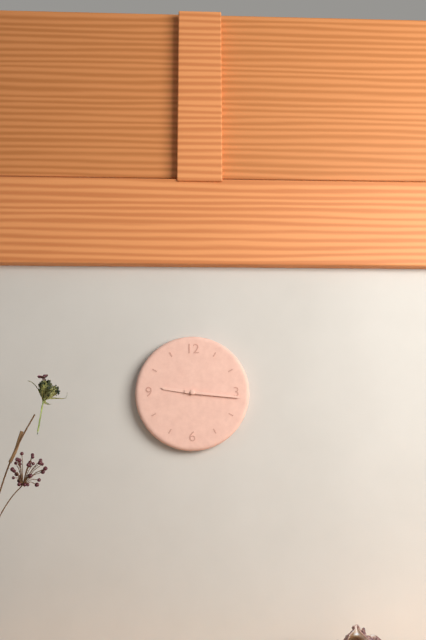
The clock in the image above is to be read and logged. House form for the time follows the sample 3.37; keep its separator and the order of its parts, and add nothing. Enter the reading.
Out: 9.16
